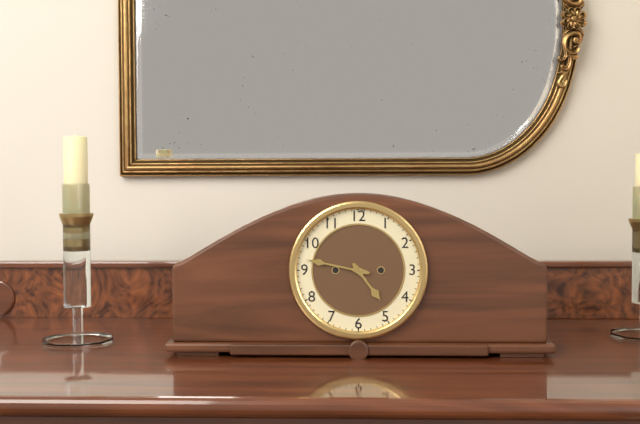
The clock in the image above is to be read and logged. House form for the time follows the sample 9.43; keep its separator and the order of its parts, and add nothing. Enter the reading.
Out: 4.47
